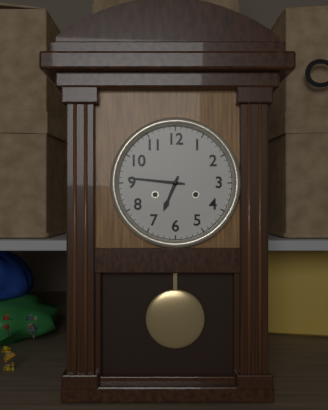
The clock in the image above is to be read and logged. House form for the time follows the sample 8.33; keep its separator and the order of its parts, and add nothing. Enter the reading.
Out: 6.46
